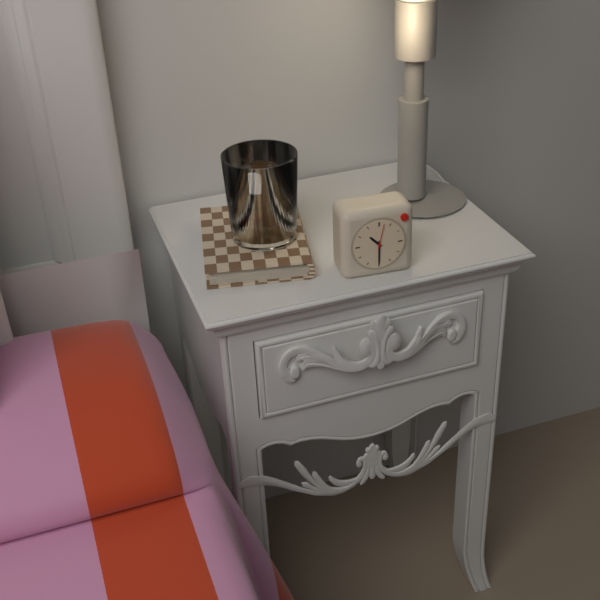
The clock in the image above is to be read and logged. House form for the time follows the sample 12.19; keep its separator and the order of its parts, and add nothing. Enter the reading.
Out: 10.30
